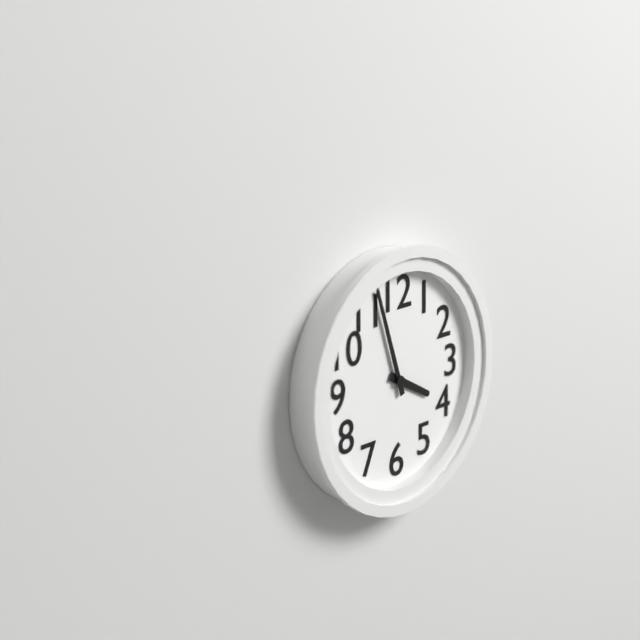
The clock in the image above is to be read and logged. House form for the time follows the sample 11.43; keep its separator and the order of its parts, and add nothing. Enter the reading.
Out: 3.57
